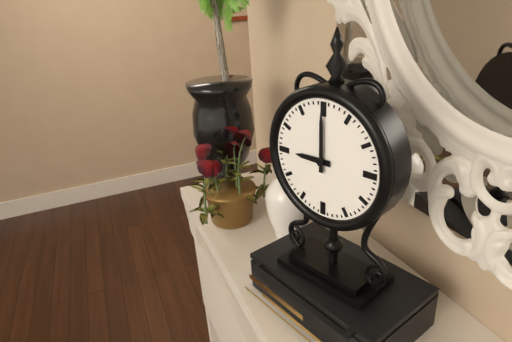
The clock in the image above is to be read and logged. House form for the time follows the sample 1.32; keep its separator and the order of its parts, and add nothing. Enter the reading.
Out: 9.00
